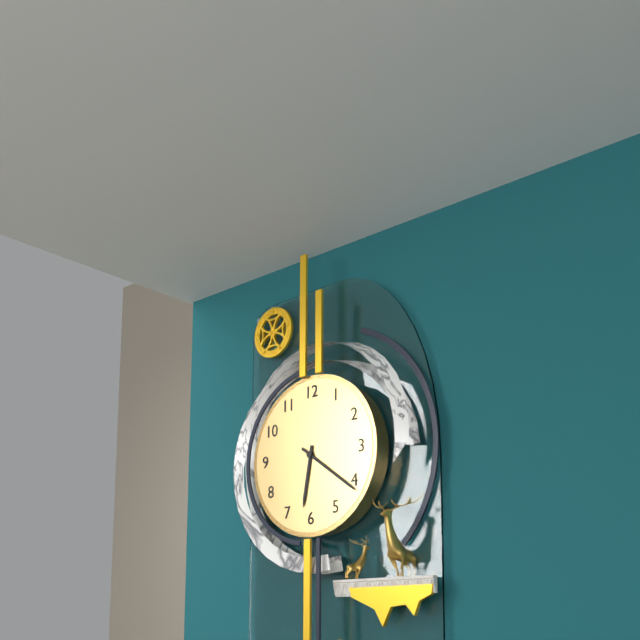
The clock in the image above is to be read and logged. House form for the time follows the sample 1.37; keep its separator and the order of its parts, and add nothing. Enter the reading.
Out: 6.21
